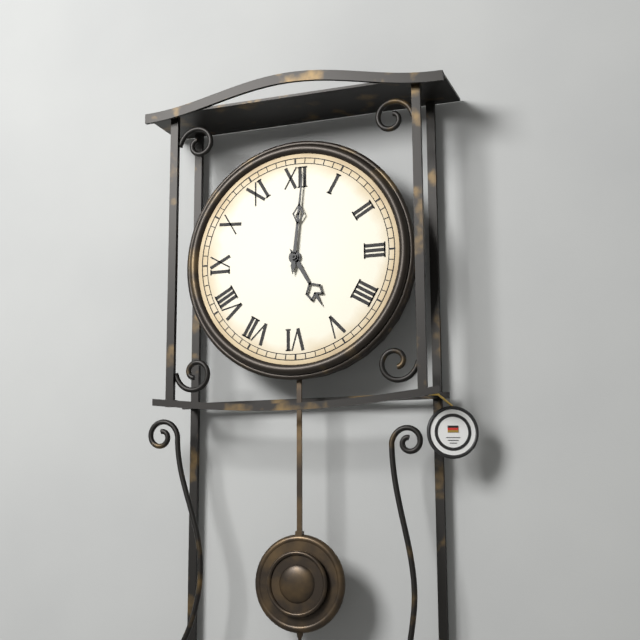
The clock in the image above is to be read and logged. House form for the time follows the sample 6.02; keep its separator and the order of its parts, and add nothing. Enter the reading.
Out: 5.01
